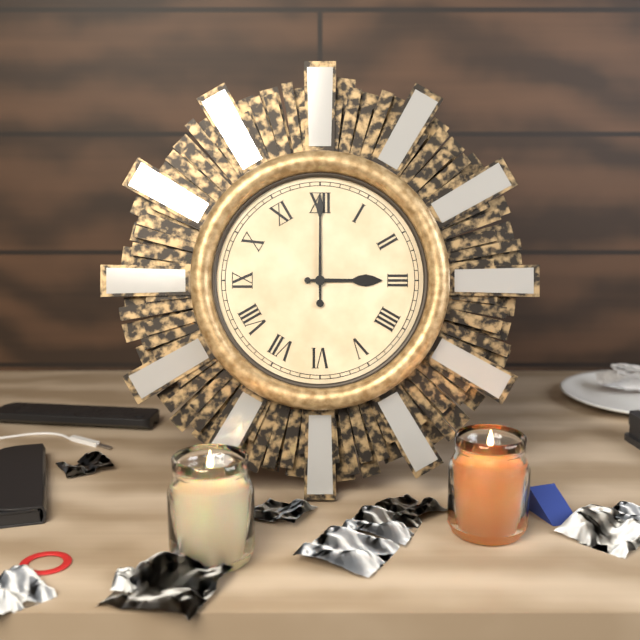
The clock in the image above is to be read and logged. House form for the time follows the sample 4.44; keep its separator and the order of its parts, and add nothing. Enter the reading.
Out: 3.00
